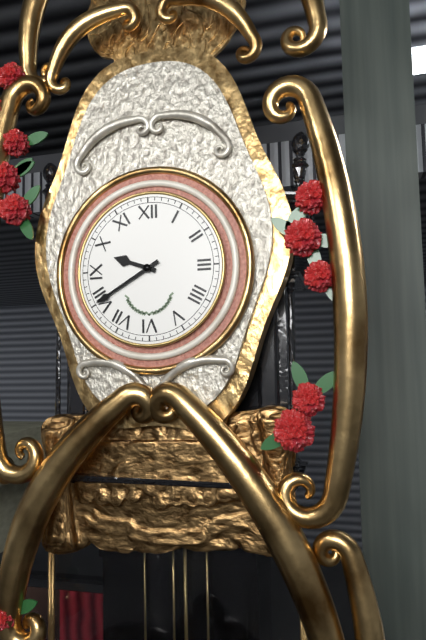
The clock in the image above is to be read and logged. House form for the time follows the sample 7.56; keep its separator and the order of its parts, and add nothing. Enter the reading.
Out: 9.40
